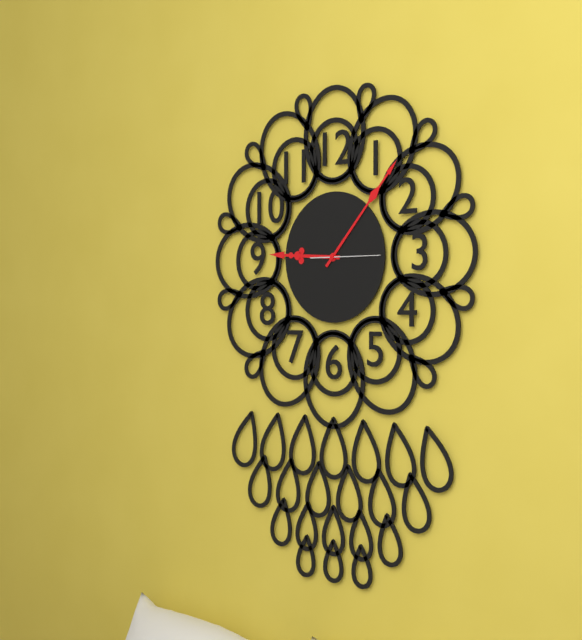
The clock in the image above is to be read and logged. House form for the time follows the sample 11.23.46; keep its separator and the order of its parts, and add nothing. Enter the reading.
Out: 9.07.15
